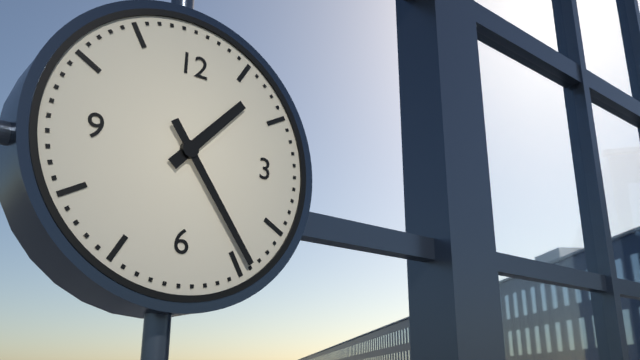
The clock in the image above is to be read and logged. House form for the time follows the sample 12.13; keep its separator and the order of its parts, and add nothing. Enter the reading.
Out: 1.24
